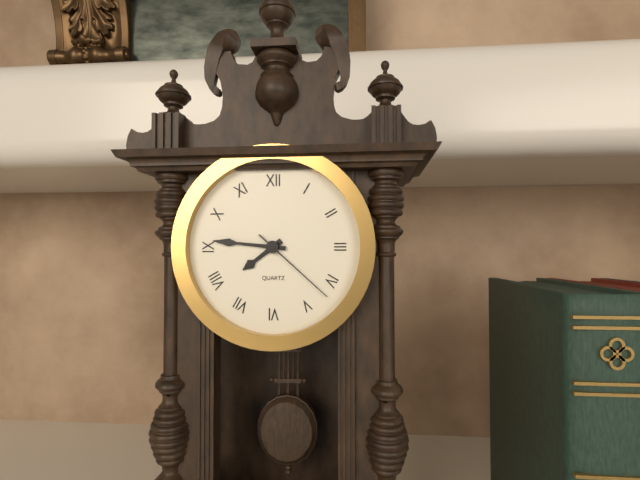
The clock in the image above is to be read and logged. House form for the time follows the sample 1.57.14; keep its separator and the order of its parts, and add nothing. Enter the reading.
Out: 7.46.22
